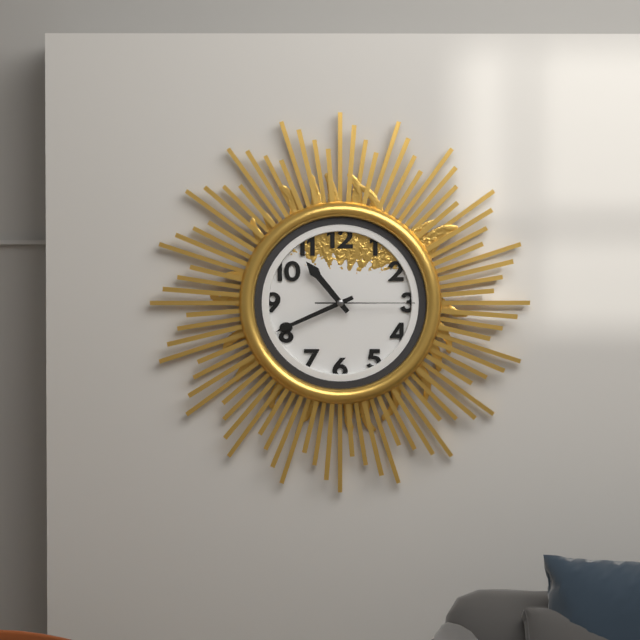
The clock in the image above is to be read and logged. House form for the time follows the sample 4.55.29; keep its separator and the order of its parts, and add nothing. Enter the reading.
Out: 10.41.15
